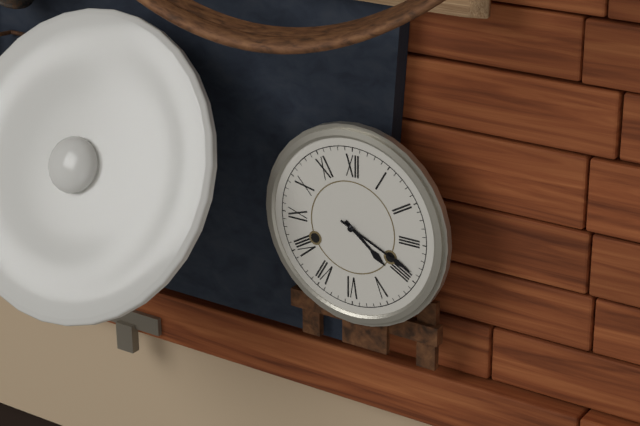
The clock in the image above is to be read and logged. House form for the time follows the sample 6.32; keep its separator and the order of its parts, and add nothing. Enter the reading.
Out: 4.19
